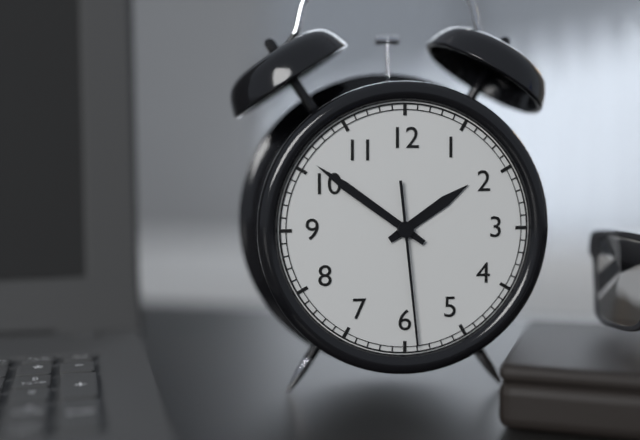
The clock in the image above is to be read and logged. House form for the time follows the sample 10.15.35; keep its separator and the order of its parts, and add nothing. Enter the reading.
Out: 1.51.29
